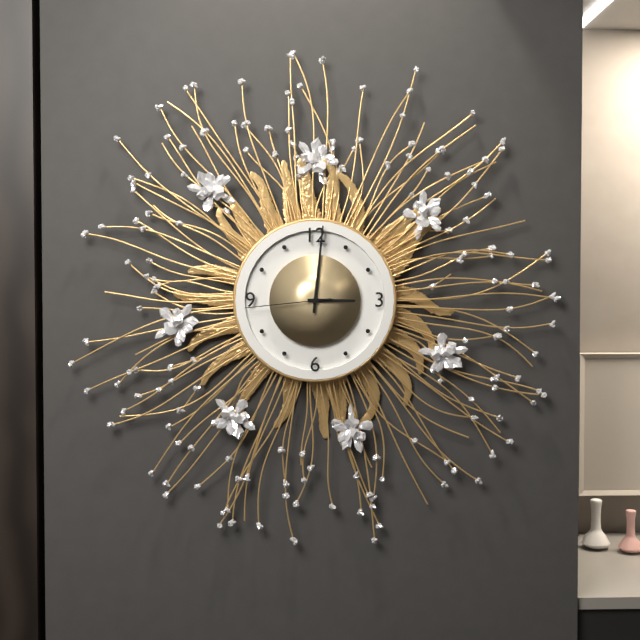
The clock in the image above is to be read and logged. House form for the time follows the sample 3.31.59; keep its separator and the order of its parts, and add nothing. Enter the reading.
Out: 3.01.44
